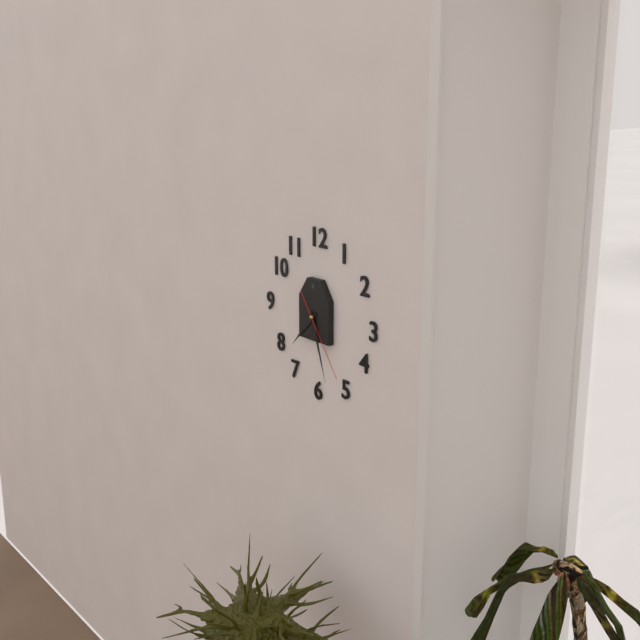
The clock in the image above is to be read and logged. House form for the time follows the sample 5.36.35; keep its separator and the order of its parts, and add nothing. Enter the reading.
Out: 7.27.24
